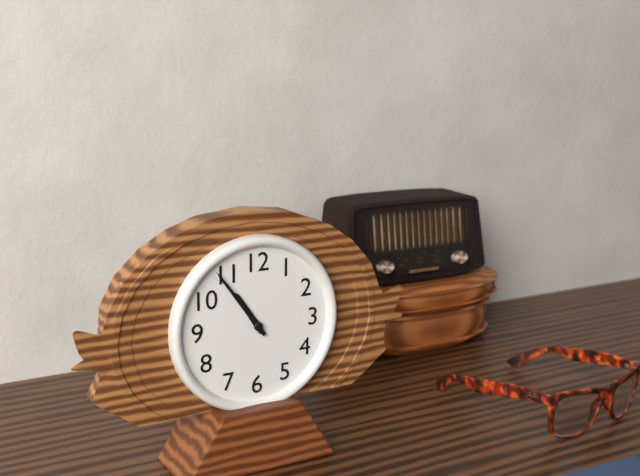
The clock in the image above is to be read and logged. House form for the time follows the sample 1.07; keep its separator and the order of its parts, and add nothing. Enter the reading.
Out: 10.54
